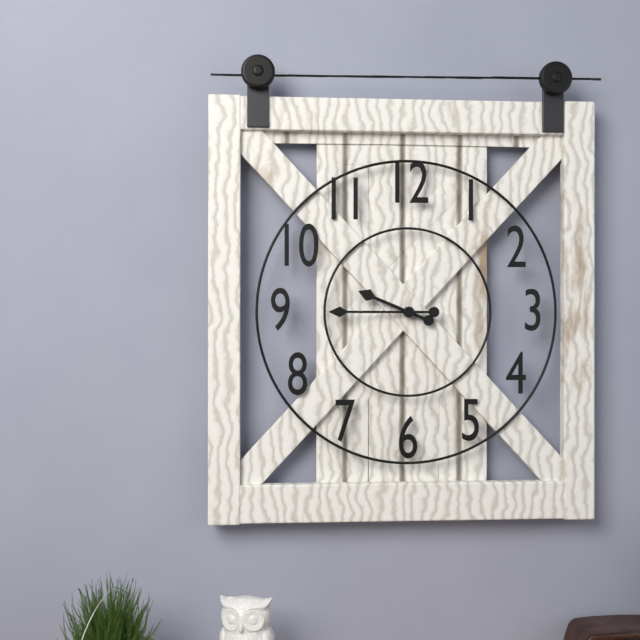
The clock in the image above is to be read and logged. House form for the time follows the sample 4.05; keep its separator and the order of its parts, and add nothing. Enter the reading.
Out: 9.45
